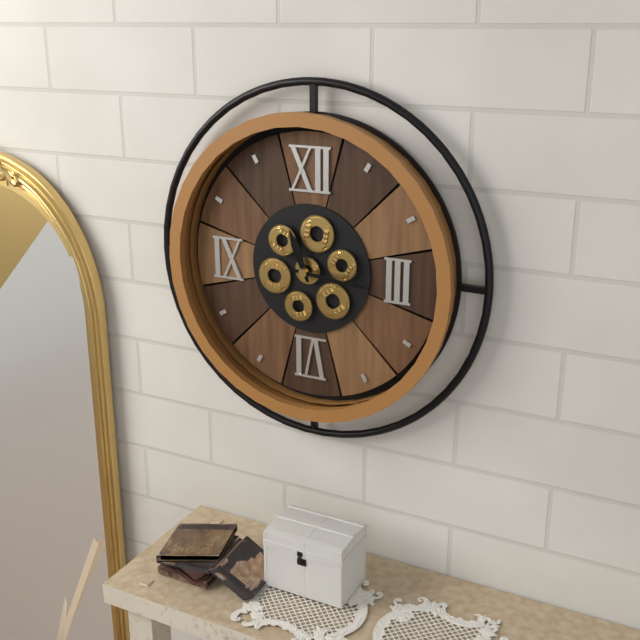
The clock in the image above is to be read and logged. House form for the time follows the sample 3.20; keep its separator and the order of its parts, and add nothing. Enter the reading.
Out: 11.16
